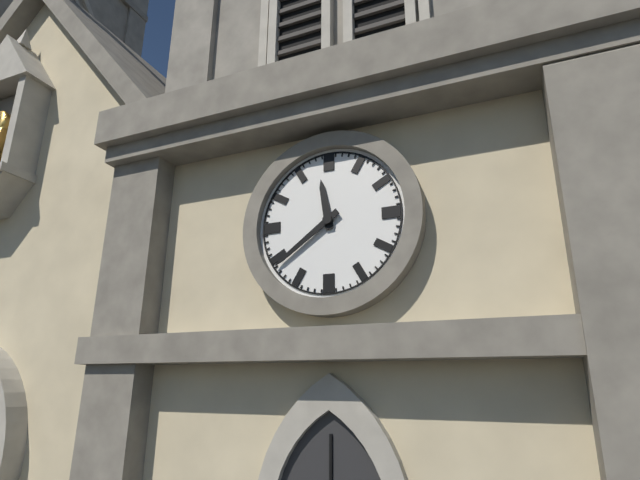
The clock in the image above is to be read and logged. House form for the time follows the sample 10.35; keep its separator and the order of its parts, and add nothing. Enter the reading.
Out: 11.39
